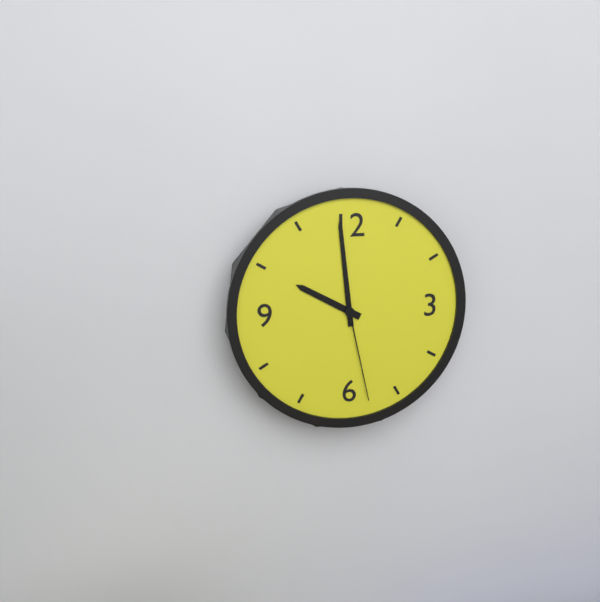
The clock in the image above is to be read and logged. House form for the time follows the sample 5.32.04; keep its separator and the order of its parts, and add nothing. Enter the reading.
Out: 9.59.28
